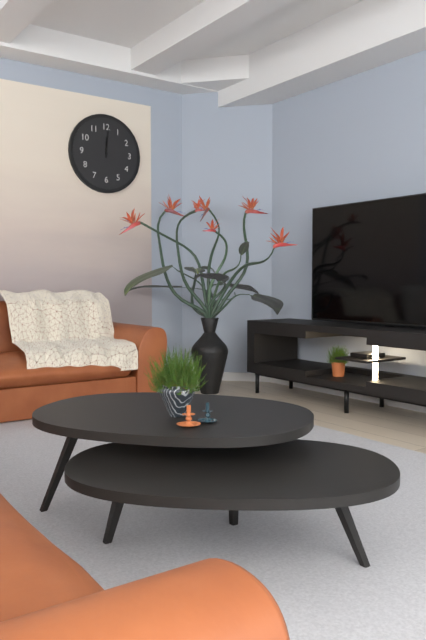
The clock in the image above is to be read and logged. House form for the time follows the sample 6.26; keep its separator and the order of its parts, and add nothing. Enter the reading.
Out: 12.01
